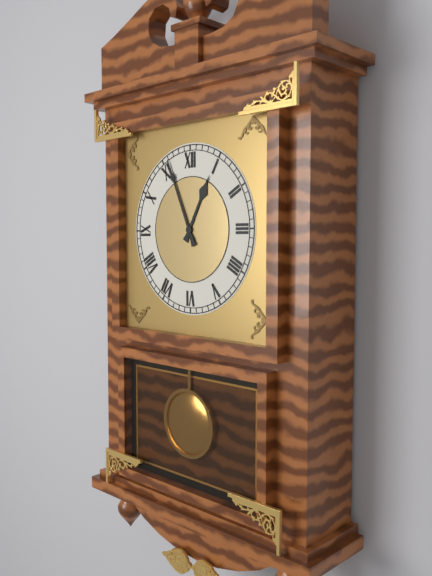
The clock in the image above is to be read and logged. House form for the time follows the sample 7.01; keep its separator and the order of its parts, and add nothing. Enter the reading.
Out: 12.56
